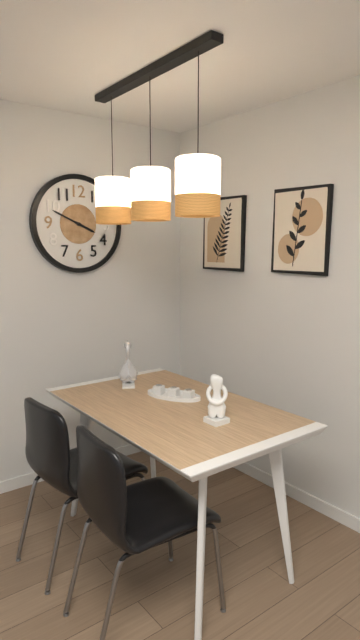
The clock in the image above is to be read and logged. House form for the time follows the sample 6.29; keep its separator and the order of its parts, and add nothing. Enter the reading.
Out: 3.49
